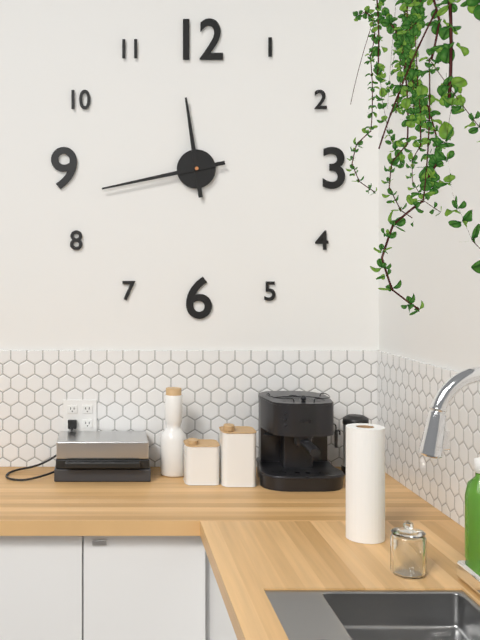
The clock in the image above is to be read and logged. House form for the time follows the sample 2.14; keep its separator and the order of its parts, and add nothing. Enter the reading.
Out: 11.43
